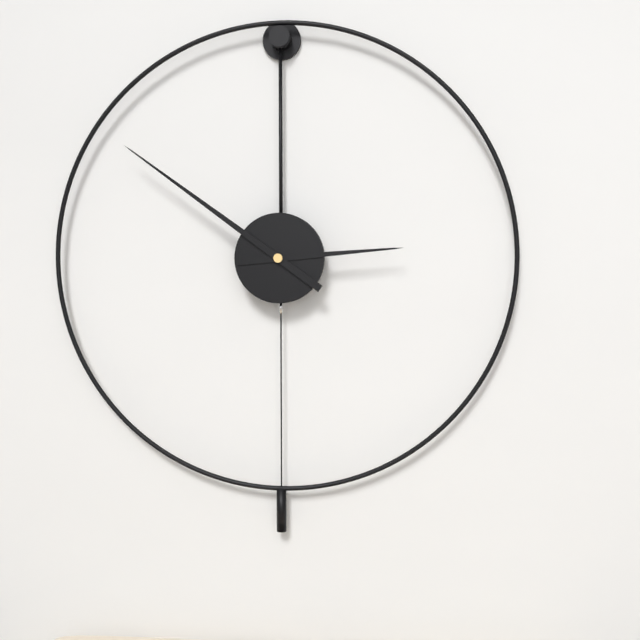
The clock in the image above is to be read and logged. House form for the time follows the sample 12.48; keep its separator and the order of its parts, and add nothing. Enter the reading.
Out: 2.51
